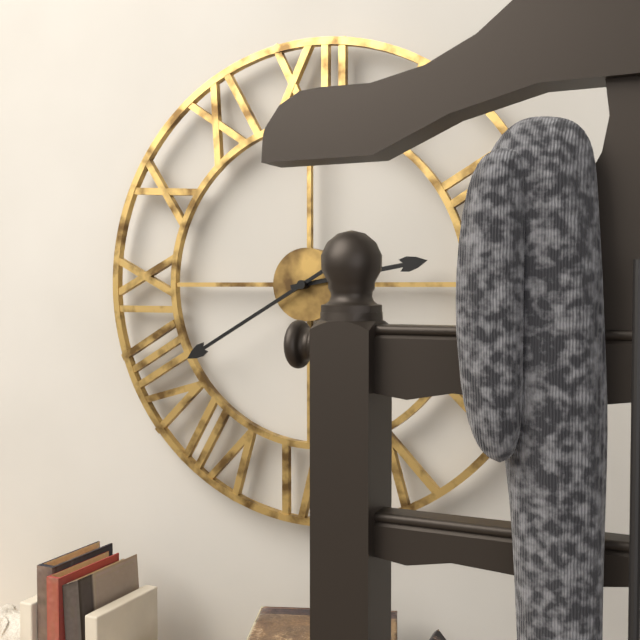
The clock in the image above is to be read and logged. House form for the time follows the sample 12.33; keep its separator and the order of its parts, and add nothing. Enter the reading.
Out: 2.40
